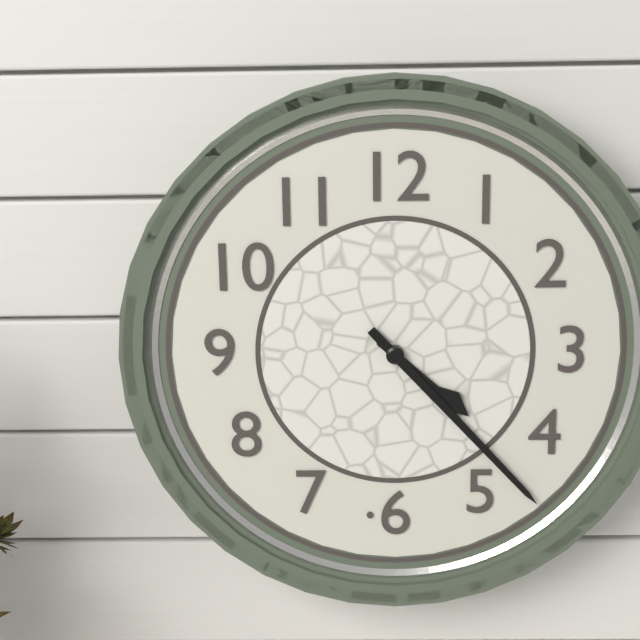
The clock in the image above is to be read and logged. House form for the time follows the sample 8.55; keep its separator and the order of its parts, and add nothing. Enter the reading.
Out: 4.23
